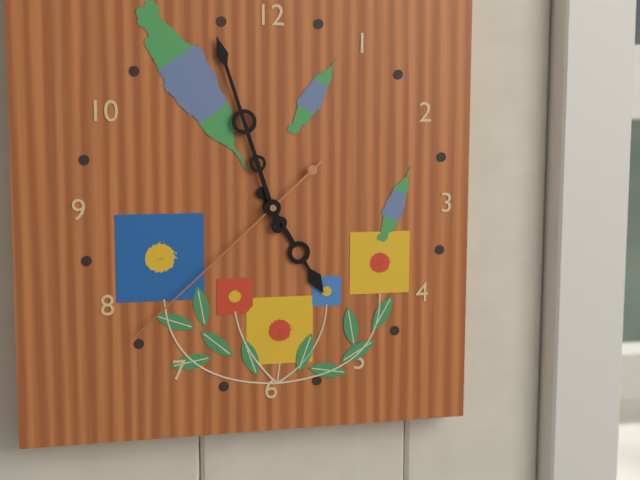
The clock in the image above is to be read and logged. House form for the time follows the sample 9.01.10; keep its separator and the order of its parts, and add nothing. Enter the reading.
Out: 4.57.38
